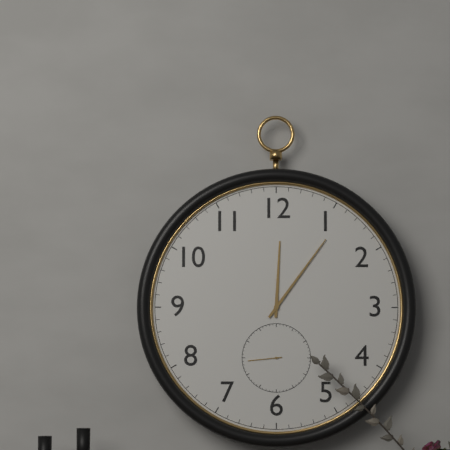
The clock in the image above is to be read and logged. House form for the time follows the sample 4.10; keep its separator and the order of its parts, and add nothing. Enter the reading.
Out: 12.06
